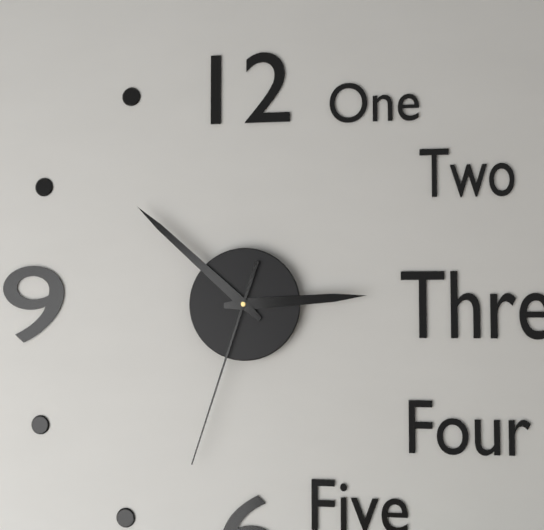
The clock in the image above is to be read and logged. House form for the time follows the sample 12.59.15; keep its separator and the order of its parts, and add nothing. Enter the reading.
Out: 2.52.33
